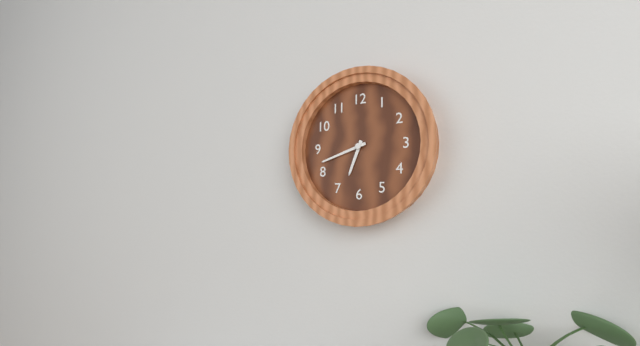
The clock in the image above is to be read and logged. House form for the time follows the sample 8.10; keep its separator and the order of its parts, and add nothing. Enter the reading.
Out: 6.42
